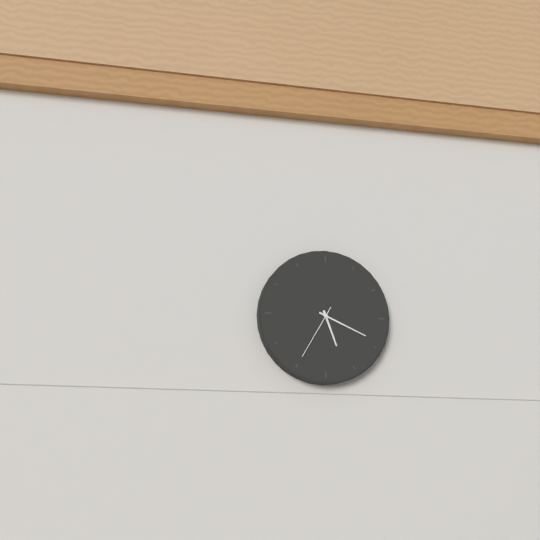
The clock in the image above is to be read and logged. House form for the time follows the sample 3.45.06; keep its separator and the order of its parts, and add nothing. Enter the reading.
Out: 5.19.35
